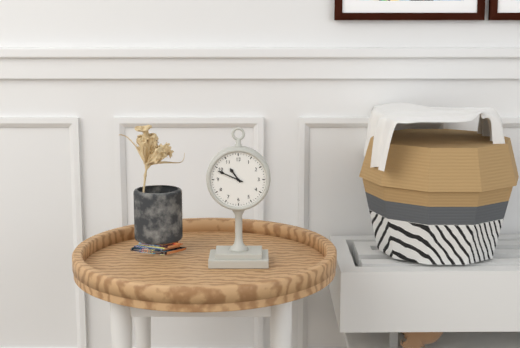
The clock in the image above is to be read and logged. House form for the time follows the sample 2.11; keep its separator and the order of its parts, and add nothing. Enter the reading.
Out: 10.49
